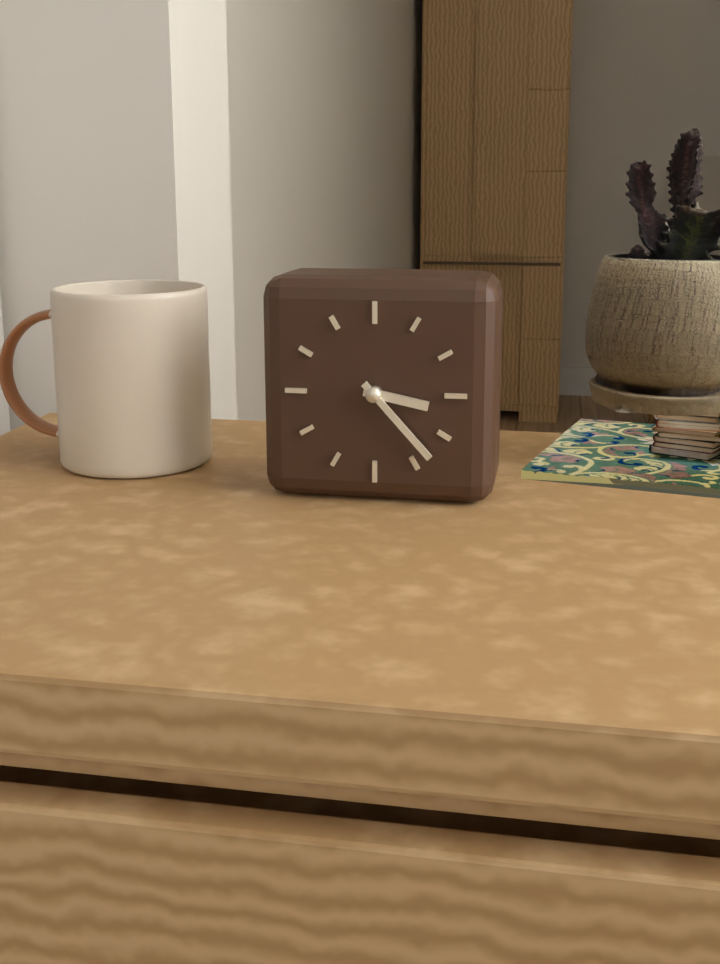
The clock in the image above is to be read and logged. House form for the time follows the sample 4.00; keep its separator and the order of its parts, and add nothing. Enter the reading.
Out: 3.23
